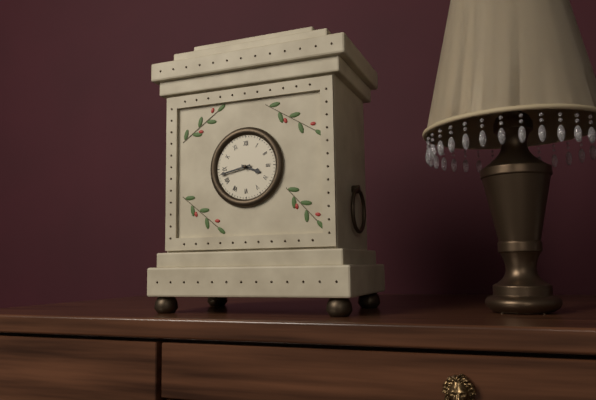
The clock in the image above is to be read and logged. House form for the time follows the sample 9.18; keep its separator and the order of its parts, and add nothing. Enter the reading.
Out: 3.43
